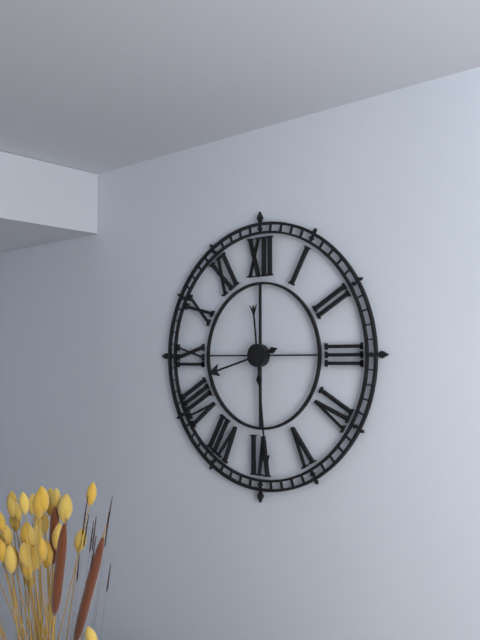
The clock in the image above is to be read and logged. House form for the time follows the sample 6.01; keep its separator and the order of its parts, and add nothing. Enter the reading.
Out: 8.29
